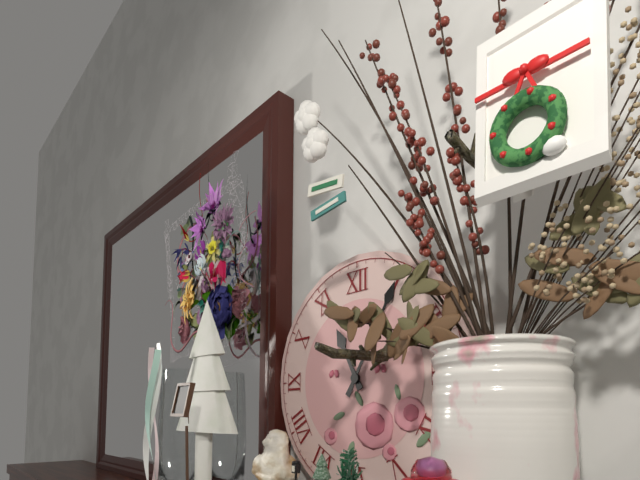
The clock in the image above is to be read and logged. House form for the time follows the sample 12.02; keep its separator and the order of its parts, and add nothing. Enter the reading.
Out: 11.05
